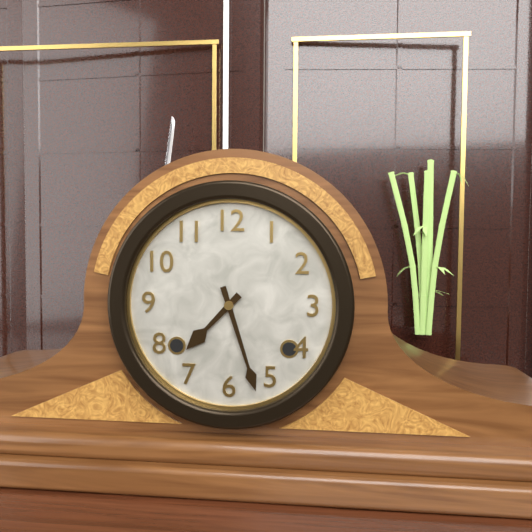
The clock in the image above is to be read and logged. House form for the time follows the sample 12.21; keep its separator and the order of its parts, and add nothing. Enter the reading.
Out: 7.27
